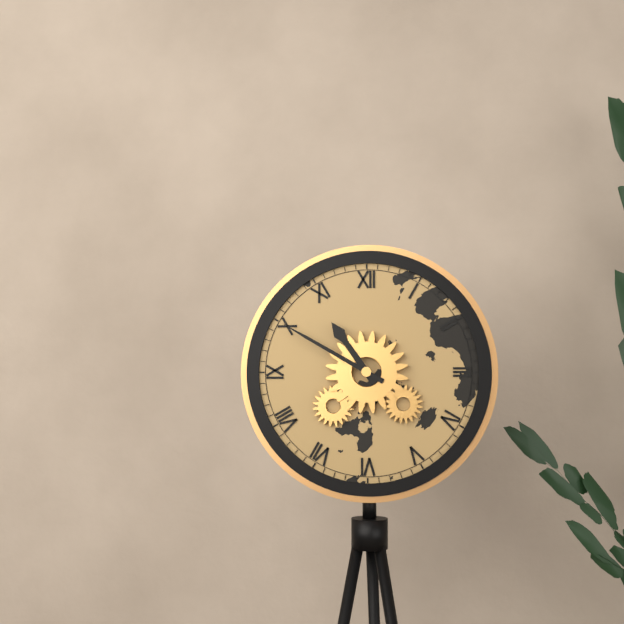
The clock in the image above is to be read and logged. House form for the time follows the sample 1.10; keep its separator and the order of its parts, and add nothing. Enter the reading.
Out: 10.50
